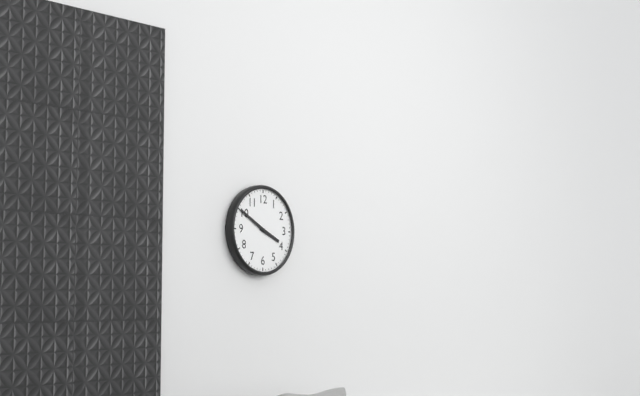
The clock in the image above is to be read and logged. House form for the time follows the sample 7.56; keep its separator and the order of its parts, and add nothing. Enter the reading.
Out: 3.50
